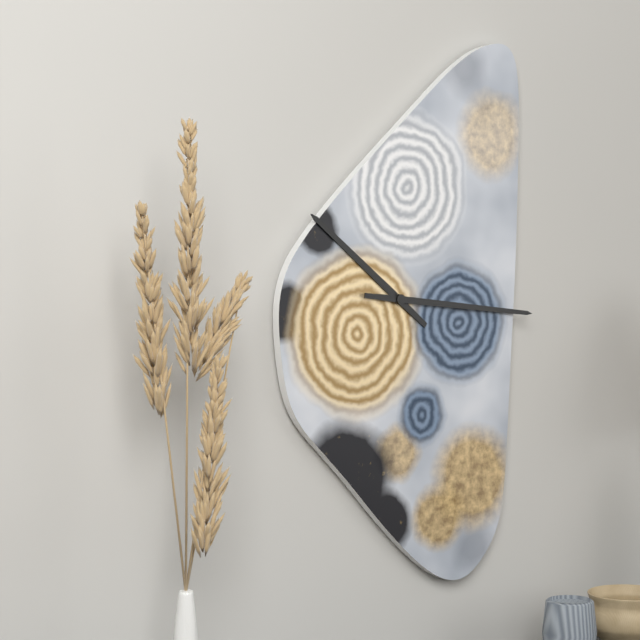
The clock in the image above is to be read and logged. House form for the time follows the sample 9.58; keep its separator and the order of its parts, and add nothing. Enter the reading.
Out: 10.16
